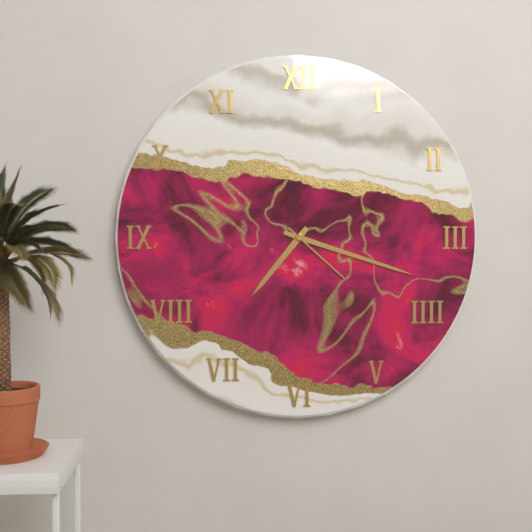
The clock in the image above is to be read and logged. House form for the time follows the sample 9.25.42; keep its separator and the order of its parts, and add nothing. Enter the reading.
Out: 7.18.22
